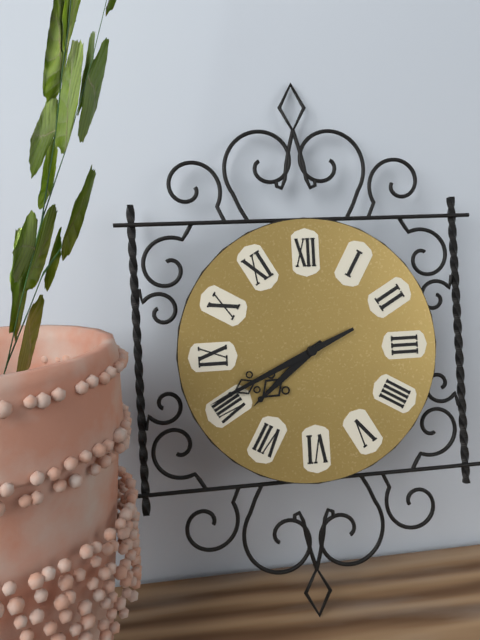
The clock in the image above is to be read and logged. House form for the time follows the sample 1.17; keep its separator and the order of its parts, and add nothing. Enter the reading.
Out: 7.41
